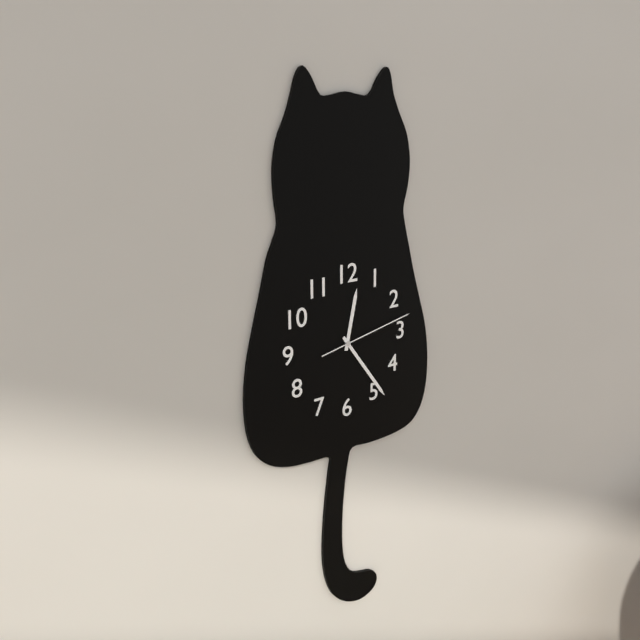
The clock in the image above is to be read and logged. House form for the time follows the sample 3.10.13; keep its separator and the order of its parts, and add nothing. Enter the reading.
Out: 12.24.13
